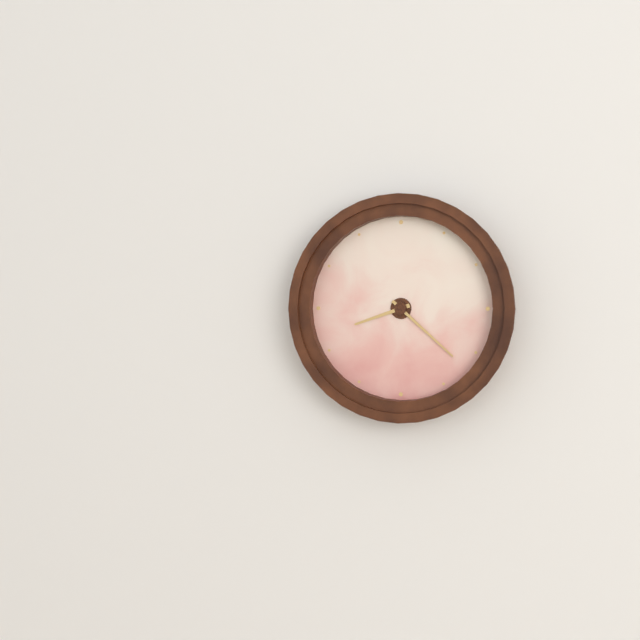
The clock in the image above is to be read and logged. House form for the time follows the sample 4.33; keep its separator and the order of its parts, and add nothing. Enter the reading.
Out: 8.22
